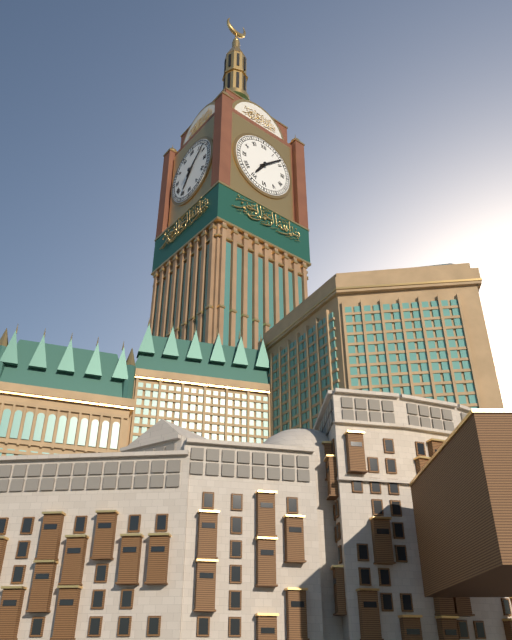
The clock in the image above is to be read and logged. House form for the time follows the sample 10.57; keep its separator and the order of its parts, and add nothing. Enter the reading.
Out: 7.08
